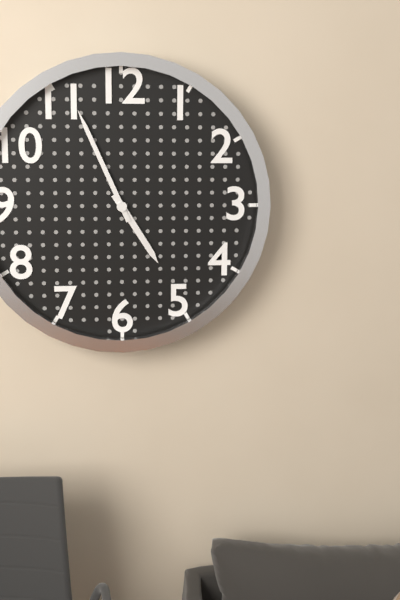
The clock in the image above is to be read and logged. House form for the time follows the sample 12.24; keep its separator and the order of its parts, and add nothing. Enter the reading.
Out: 4.56
